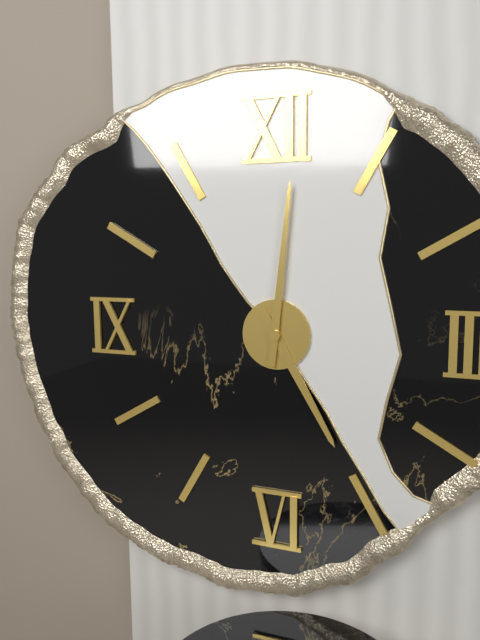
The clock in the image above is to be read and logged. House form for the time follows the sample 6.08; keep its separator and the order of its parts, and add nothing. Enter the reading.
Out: 5.01
